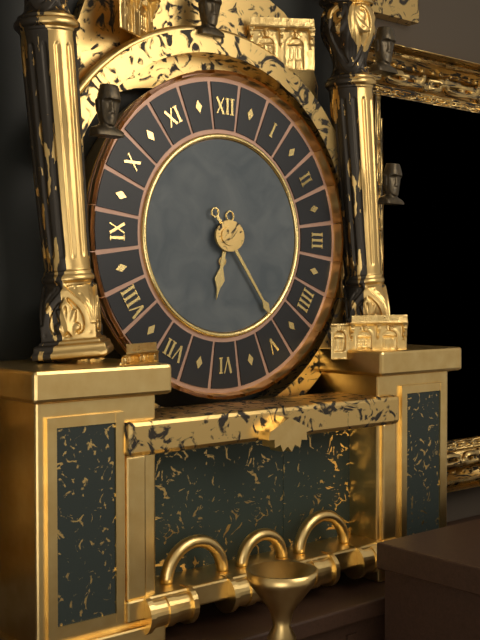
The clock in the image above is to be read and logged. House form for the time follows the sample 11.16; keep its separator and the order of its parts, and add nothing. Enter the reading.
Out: 6.24
